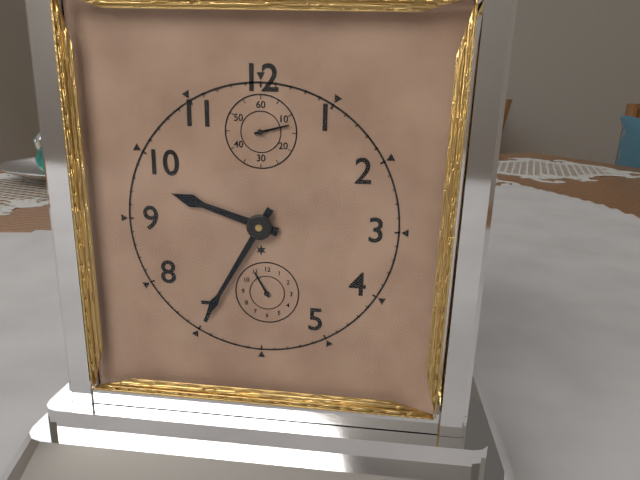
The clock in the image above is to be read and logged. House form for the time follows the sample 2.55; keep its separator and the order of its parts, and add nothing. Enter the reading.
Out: 9.35
